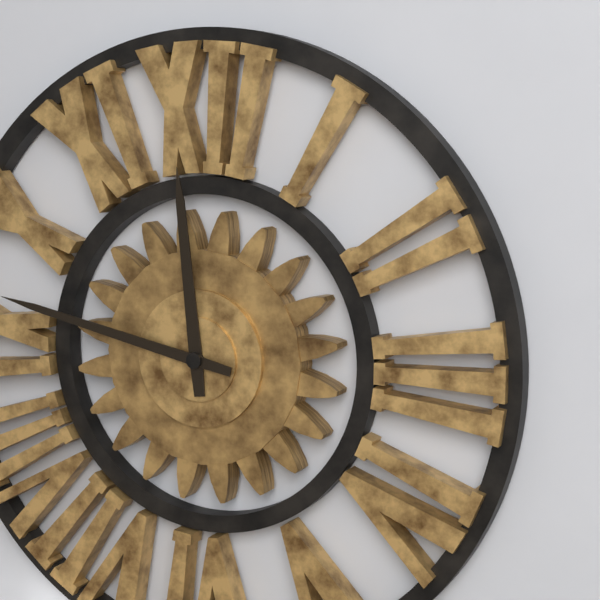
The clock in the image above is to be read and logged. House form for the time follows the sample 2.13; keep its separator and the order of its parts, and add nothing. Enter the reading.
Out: 11.47
